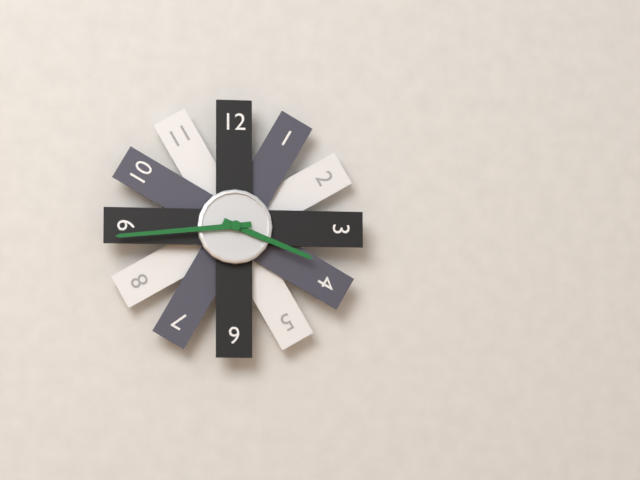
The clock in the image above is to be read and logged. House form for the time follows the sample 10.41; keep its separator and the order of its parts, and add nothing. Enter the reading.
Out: 3.44
